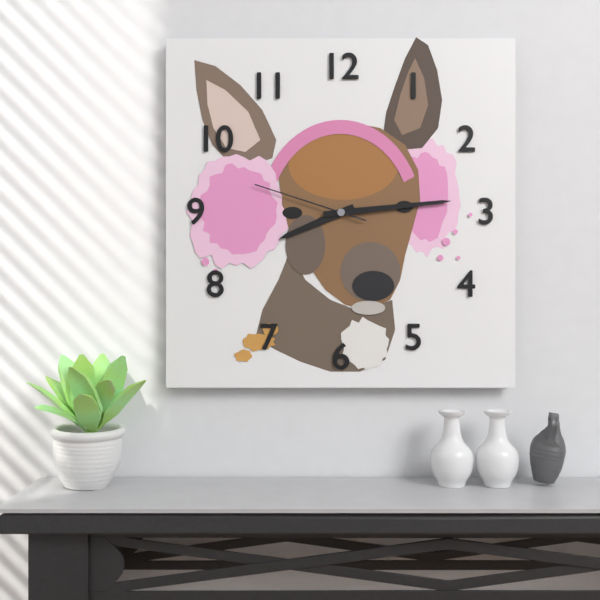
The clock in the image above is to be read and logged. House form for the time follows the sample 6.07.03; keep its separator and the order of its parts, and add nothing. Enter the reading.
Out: 8.14.48
